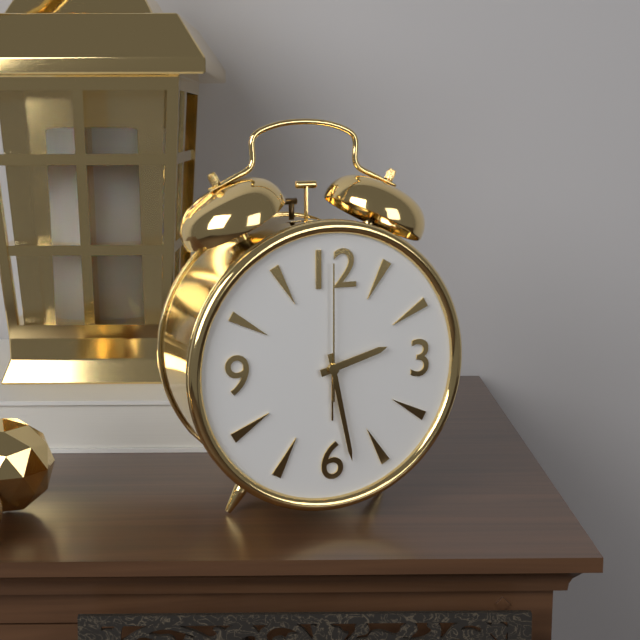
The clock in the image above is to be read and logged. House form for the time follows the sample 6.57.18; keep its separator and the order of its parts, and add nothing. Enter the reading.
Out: 2.28.00
